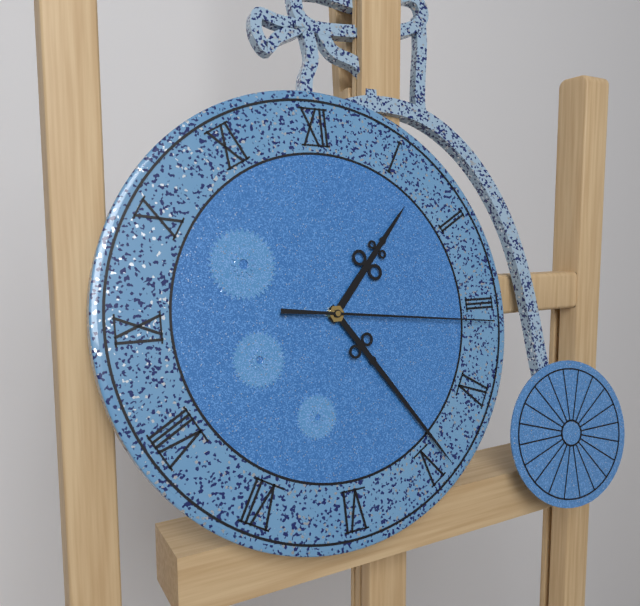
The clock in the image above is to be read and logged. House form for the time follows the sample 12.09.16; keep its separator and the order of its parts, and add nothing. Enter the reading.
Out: 1.24.16
